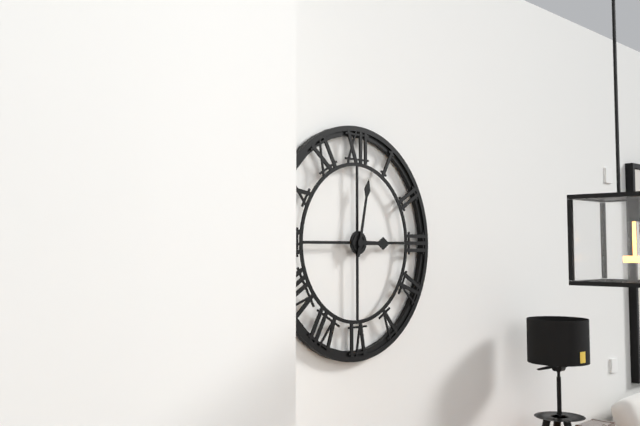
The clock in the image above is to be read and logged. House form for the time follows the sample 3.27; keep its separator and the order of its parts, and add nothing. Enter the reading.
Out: 3.02
